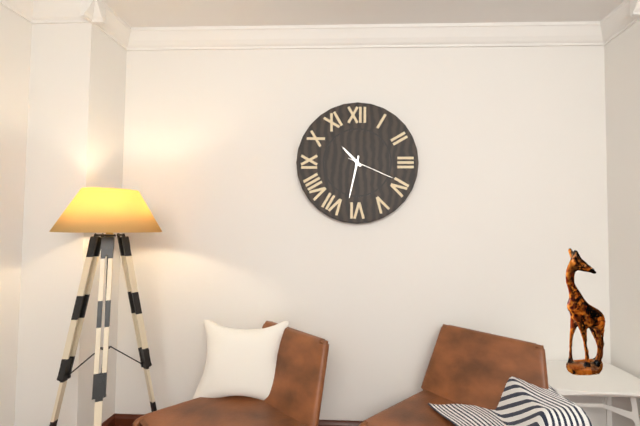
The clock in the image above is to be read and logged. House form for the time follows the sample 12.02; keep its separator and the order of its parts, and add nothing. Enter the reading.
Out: 10.32
